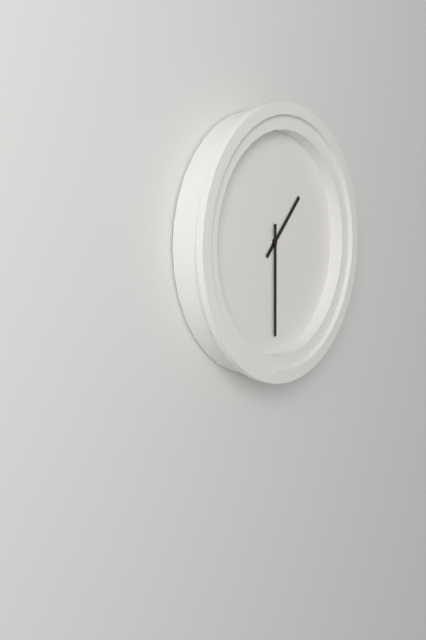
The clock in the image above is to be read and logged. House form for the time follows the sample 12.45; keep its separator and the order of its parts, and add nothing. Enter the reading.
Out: 1.30
